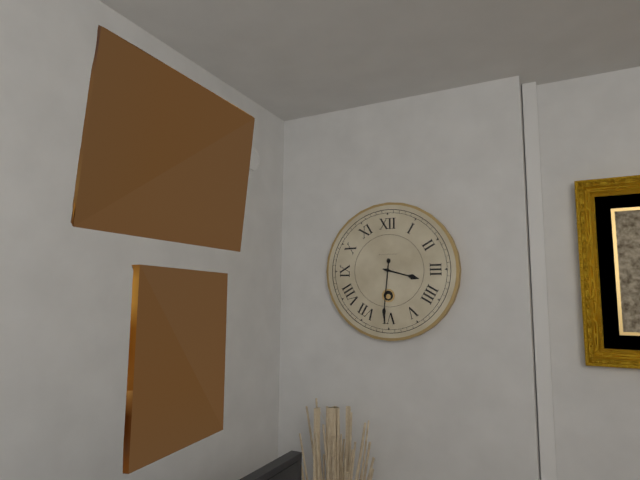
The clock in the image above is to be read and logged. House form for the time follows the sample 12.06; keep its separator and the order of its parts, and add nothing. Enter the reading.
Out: 3.31
